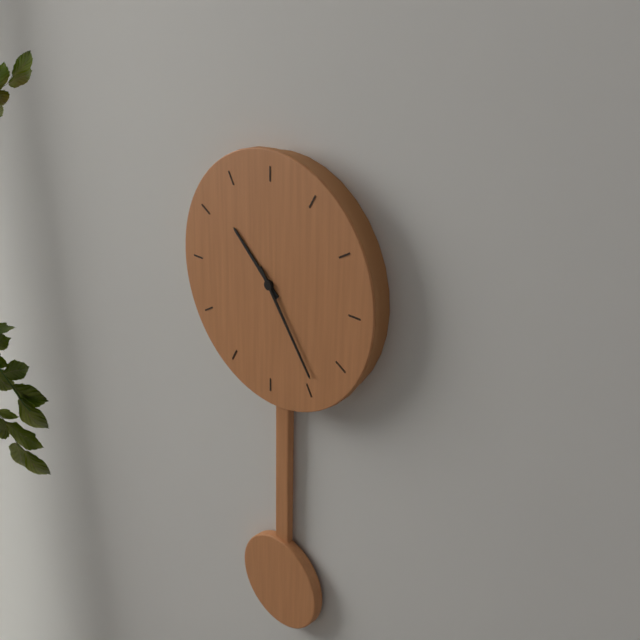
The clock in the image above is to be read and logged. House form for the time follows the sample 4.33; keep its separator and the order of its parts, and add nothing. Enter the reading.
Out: 10.24
